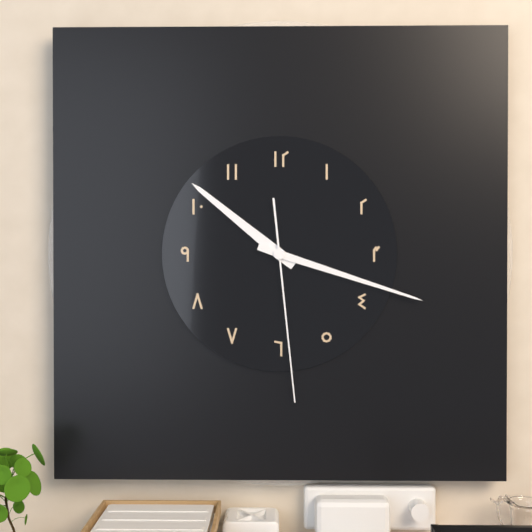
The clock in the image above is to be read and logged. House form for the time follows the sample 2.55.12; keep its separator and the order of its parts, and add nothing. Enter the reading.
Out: 10.18.29
